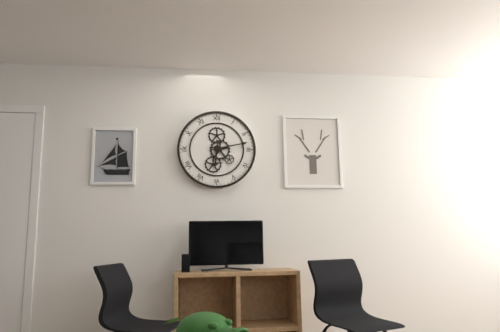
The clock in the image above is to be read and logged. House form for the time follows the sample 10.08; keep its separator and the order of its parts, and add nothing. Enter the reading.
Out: 6.13
